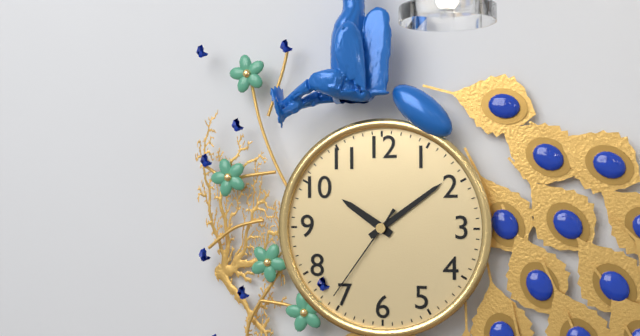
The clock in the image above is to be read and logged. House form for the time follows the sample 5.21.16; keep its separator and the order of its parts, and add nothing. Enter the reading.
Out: 10.09.36
